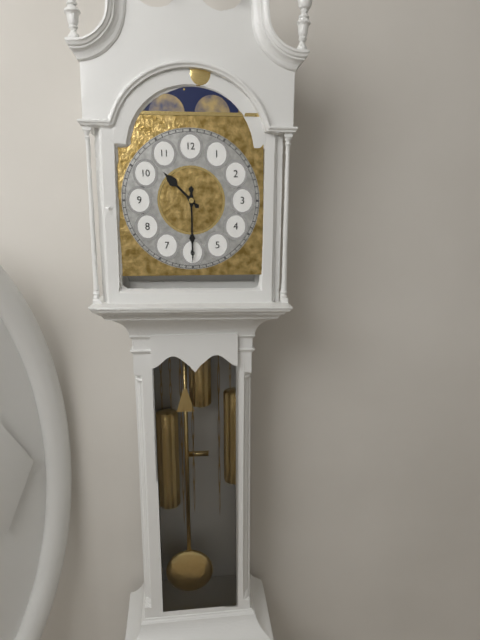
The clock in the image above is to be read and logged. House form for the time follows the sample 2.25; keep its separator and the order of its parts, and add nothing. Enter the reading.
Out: 10.30
